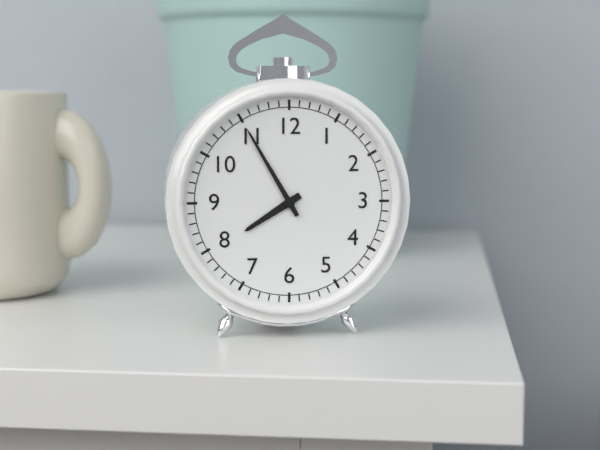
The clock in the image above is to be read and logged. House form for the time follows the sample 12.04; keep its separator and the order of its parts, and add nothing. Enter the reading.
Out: 7.55
